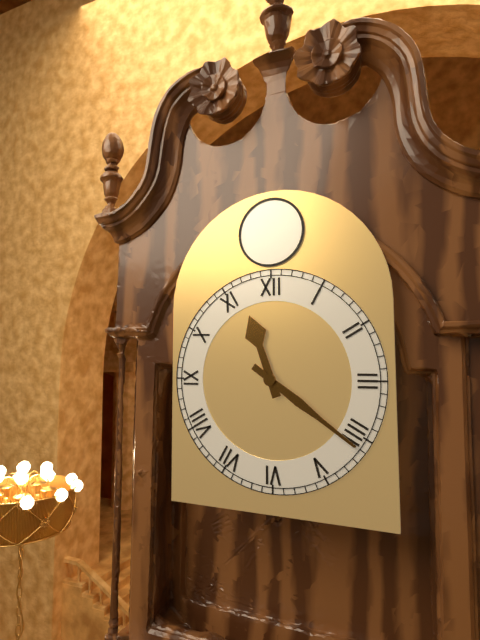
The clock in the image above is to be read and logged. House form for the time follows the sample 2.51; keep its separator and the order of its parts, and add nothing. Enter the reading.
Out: 11.21
